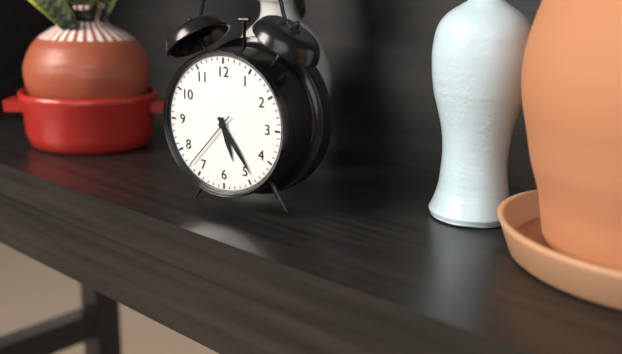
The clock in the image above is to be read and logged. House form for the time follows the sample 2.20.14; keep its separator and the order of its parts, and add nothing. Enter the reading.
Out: 5.24.37
